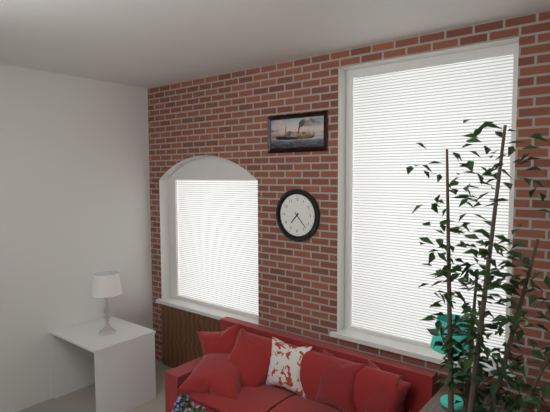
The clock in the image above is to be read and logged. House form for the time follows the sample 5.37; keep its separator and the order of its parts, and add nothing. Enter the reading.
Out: 7.23
